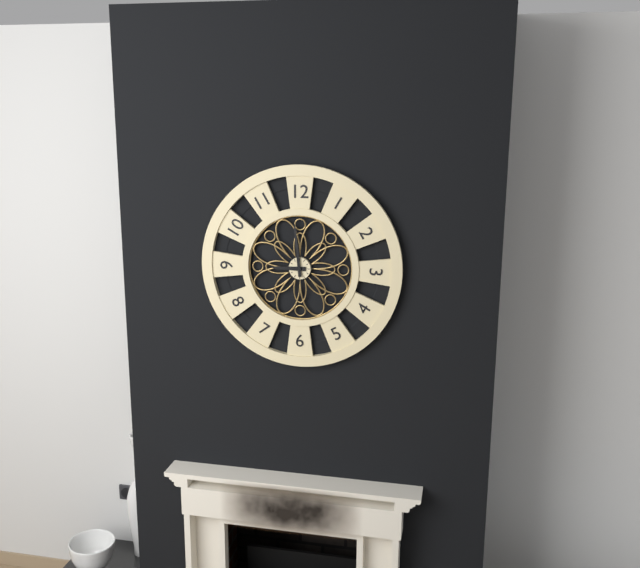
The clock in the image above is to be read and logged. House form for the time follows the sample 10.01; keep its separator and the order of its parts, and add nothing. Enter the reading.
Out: 8.59
